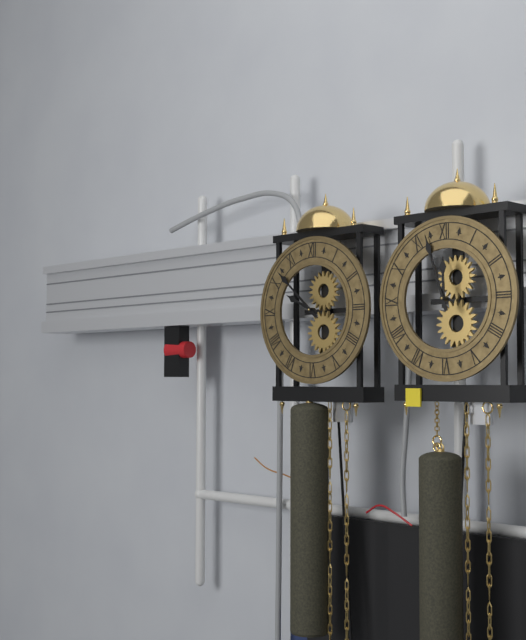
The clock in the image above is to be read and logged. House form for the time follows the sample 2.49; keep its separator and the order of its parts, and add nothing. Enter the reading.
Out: 9.52
